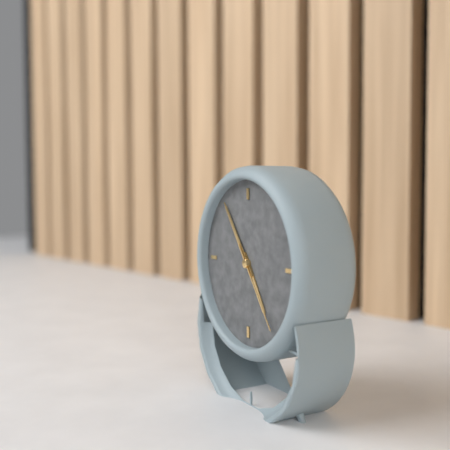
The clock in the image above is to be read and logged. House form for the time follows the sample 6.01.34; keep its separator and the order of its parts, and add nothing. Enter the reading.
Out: 4.54.24
